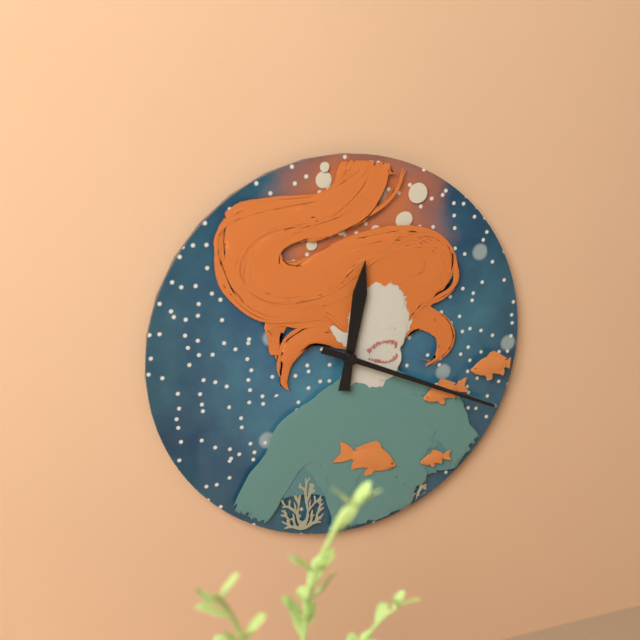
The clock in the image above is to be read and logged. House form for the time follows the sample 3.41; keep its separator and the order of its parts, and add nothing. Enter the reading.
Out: 12.19
